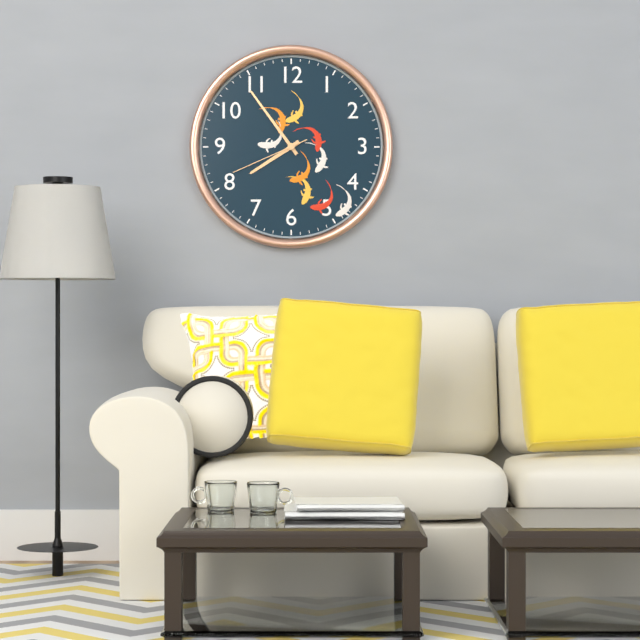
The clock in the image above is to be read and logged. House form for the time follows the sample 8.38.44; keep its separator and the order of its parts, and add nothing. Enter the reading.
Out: 7.54.41
